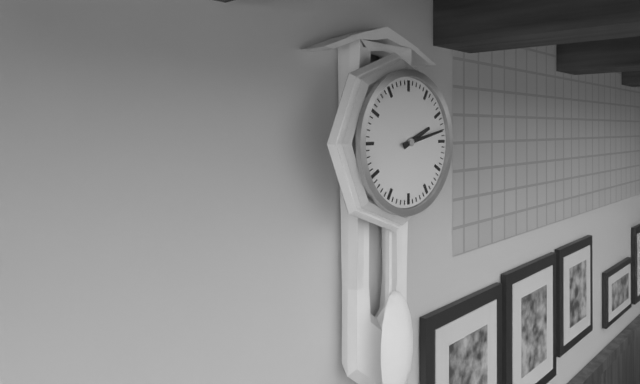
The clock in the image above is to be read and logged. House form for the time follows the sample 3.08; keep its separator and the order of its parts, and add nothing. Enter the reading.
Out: 2.13
